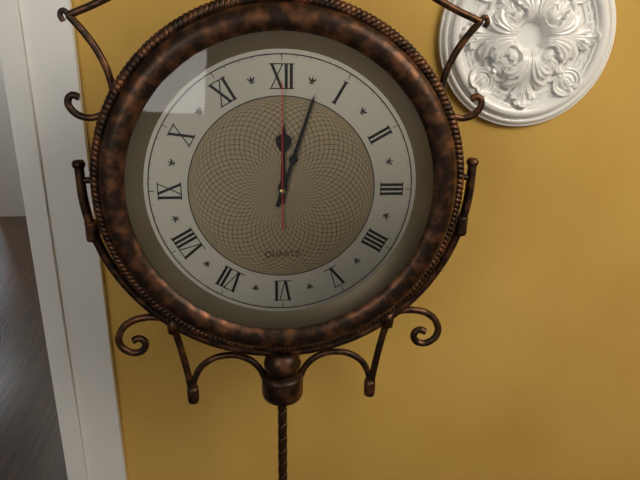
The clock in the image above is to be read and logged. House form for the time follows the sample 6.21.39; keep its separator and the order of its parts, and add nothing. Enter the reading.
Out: 12.03.00
